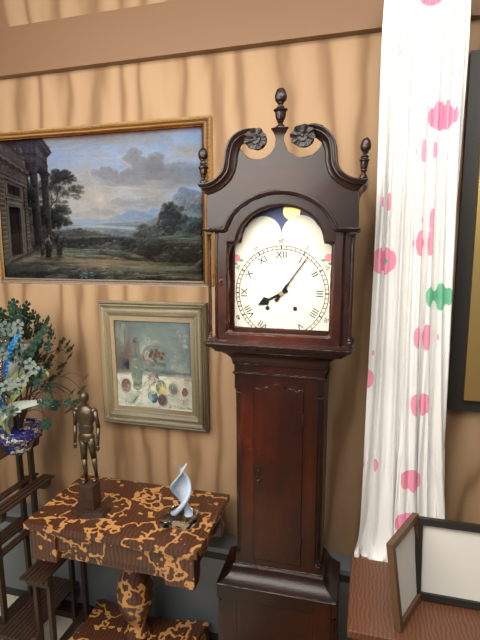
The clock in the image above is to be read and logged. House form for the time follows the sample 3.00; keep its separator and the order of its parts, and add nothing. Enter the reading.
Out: 8.06
